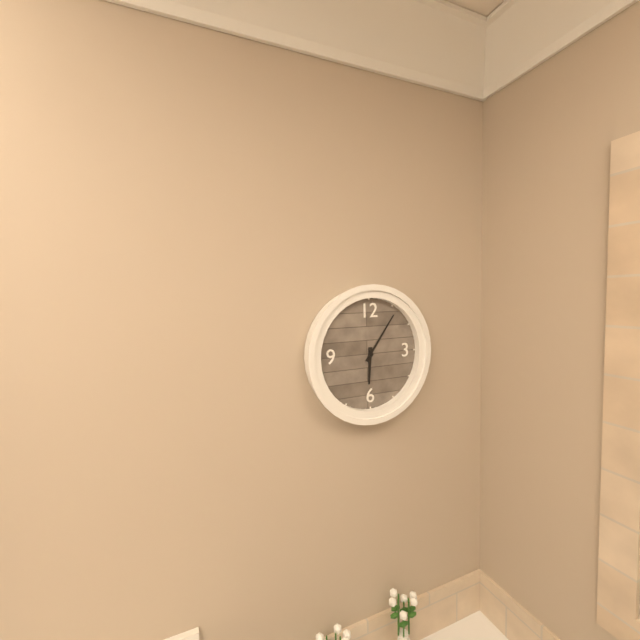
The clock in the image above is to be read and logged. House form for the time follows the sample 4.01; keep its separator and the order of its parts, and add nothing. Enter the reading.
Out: 6.06
